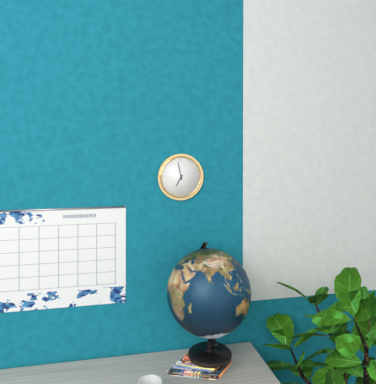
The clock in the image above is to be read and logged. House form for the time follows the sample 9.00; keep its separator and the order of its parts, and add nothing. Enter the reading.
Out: 6.58
